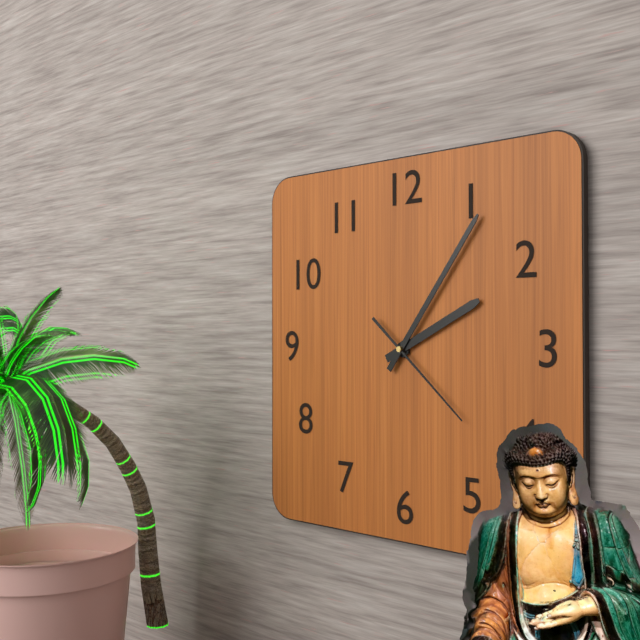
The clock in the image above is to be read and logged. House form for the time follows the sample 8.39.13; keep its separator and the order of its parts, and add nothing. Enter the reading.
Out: 2.06.22
